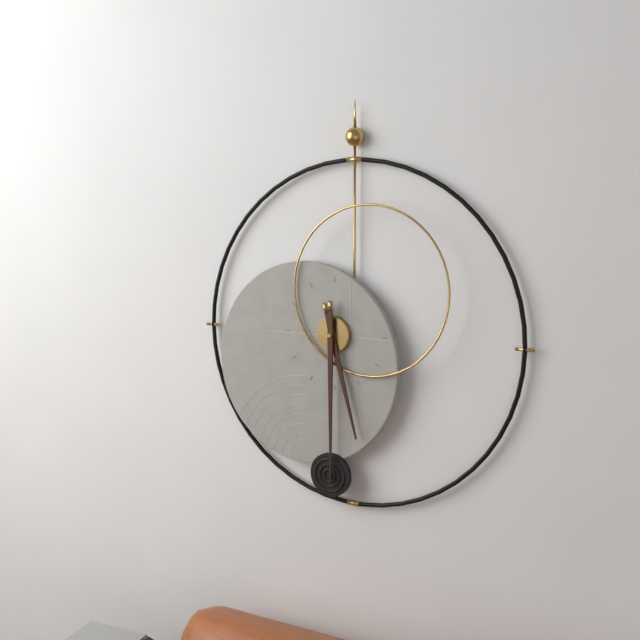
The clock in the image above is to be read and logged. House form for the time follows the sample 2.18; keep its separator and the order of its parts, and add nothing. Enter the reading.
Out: 5.30
